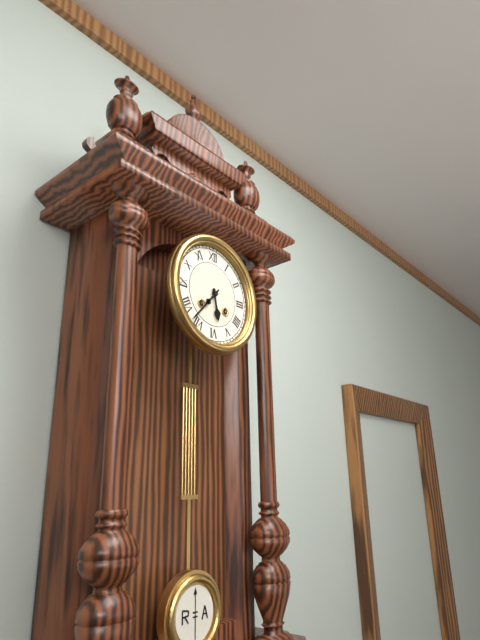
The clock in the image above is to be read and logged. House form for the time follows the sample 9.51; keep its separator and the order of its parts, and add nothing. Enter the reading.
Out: 5.37
